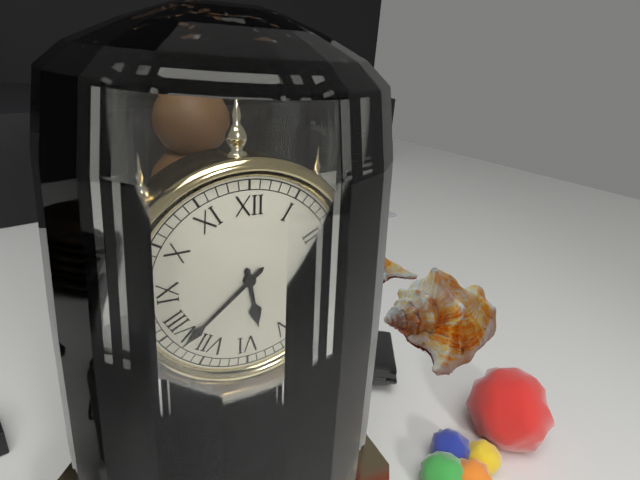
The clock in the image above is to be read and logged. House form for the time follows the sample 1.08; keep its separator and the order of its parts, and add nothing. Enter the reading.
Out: 5.38
